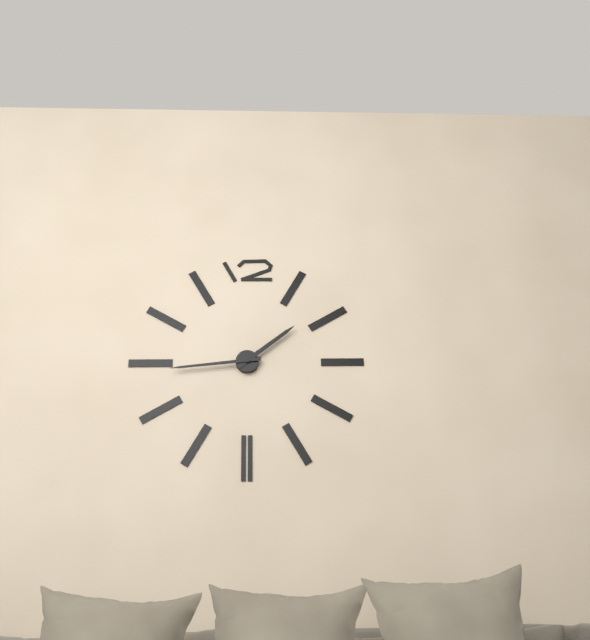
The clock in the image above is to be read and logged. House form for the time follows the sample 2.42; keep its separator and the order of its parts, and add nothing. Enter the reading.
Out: 1.44
